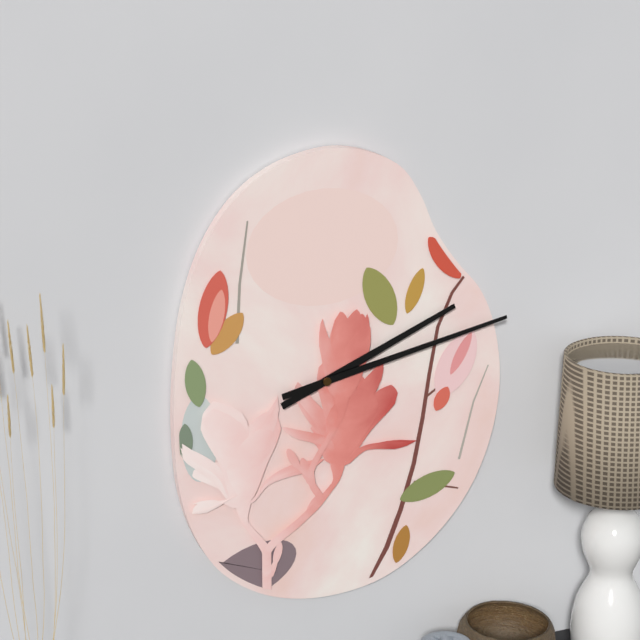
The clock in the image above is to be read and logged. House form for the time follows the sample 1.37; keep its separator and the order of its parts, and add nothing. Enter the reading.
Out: 2.13
